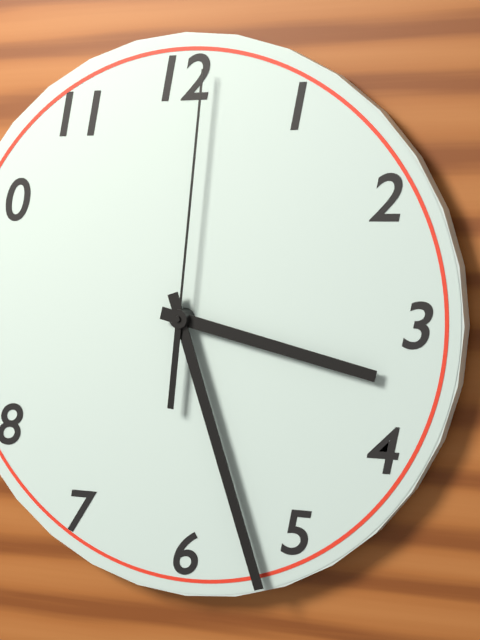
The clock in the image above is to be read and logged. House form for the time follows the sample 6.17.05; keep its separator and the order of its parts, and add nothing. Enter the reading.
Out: 3.27.01
